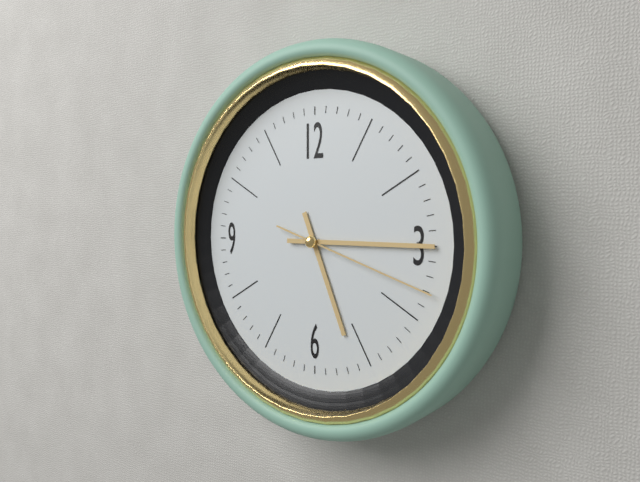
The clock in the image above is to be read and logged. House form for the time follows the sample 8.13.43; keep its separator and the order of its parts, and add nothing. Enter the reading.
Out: 5.15.18
